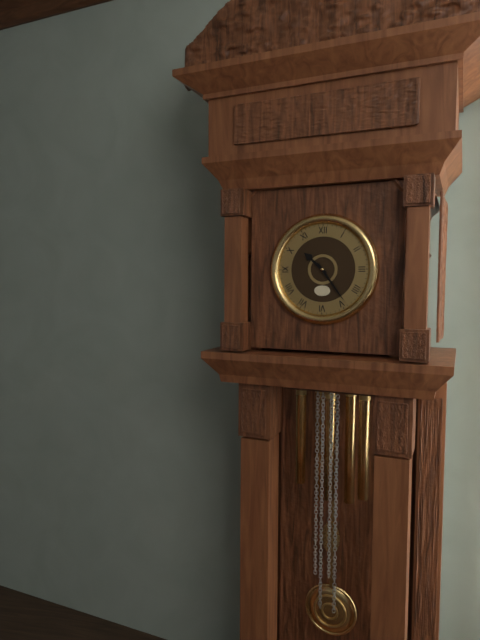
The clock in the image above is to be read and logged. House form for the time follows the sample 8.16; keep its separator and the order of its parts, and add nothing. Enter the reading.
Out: 10.24
